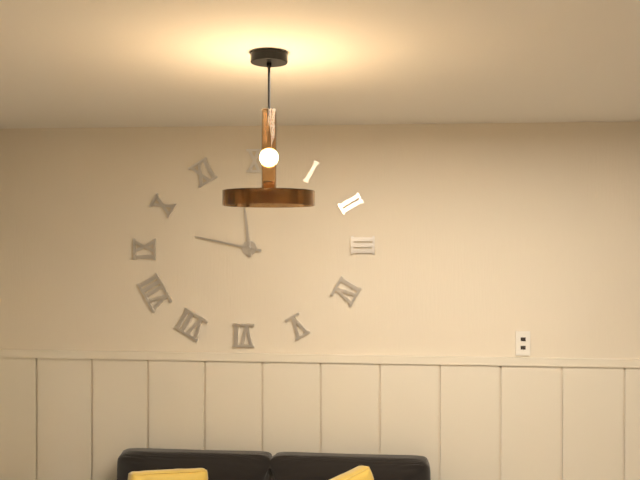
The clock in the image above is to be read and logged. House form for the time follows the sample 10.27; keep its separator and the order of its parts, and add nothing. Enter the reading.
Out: 11.47
